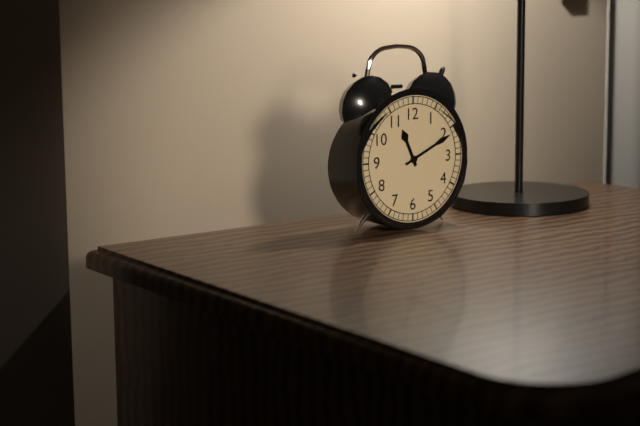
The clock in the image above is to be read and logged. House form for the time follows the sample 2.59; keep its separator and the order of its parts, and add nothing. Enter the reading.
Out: 11.11
